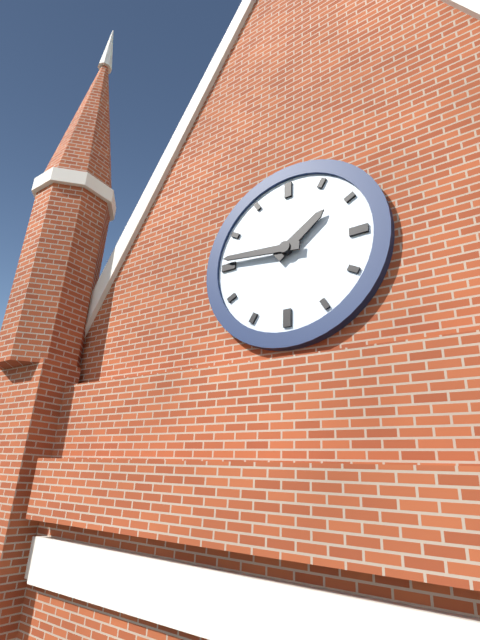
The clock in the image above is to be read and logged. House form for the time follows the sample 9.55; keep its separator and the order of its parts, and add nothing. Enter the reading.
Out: 1.46
